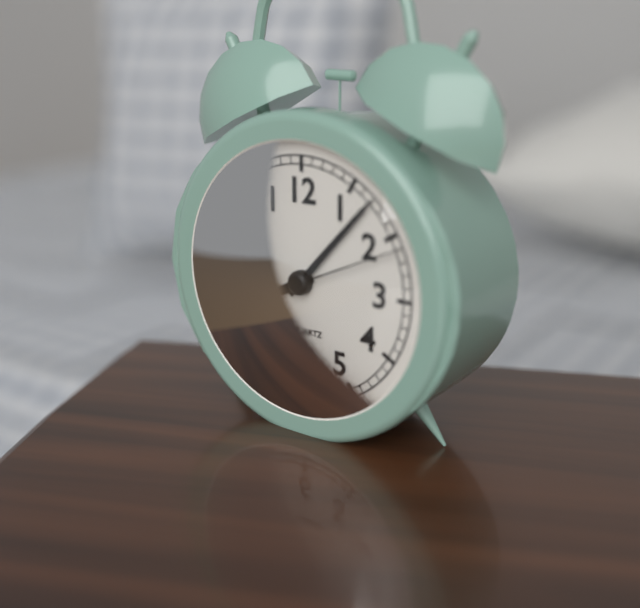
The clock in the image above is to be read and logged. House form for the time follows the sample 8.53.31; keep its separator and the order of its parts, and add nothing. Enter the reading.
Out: 8.07.11
